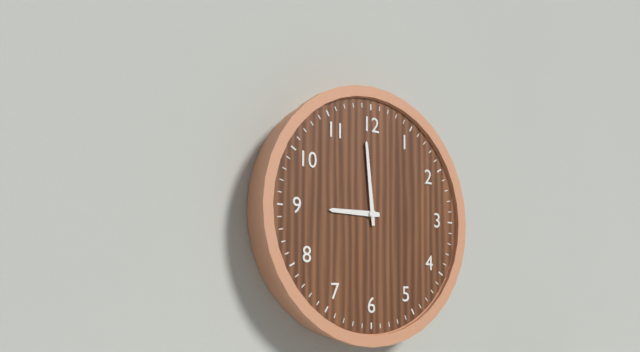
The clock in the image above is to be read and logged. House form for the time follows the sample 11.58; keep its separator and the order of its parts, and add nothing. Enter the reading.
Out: 8.59
